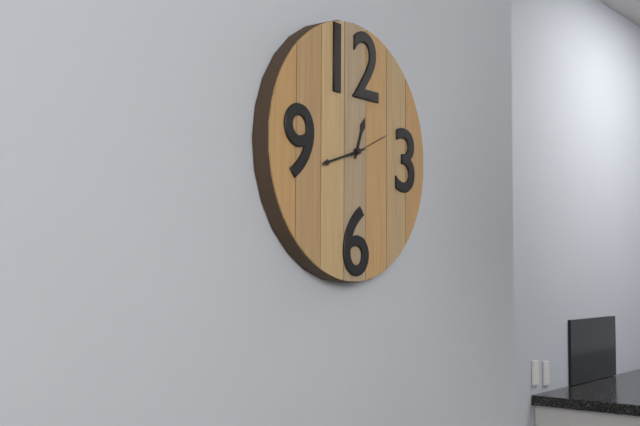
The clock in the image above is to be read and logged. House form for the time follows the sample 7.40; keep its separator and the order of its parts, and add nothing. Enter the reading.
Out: 12.42
